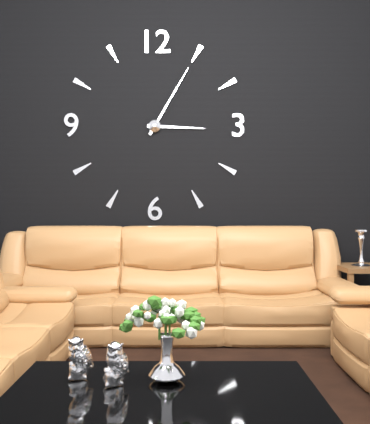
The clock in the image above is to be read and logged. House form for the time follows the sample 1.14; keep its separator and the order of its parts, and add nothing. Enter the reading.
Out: 3.05
